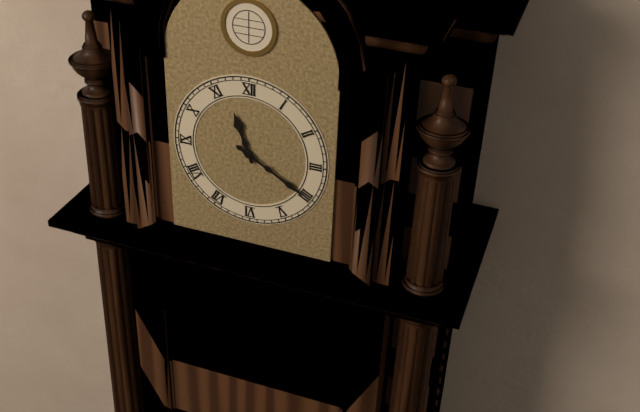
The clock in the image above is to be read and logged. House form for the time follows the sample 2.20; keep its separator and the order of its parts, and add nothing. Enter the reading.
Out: 11.20
